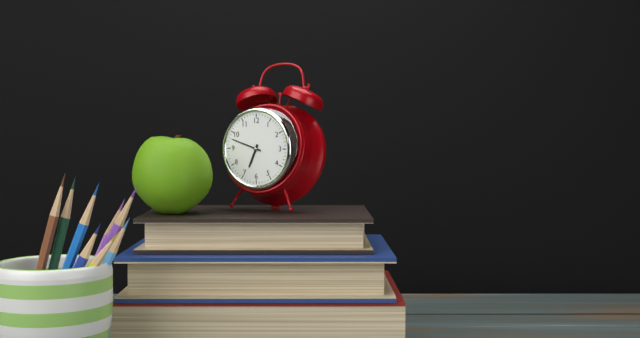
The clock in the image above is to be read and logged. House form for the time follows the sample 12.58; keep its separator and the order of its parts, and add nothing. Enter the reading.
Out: 6.48
